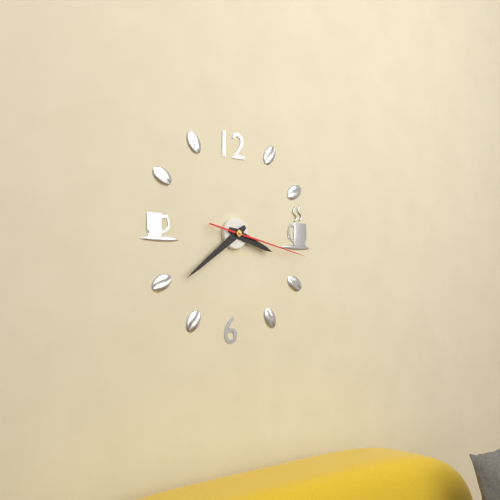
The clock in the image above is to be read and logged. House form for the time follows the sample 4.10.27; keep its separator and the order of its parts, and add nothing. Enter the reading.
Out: 3.39.17
